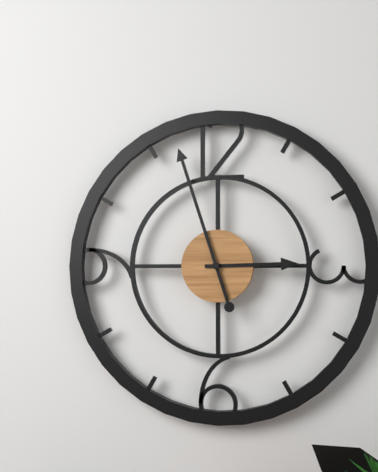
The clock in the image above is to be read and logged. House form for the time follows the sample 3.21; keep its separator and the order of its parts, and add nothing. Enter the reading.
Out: 2.57
